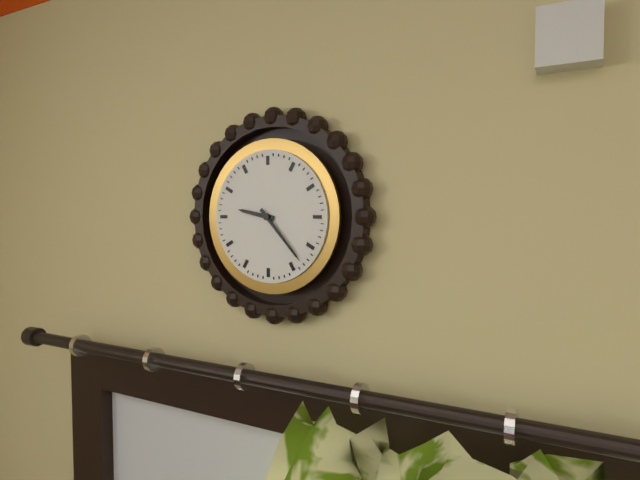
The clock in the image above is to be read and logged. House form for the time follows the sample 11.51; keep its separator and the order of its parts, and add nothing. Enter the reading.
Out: 9.23
